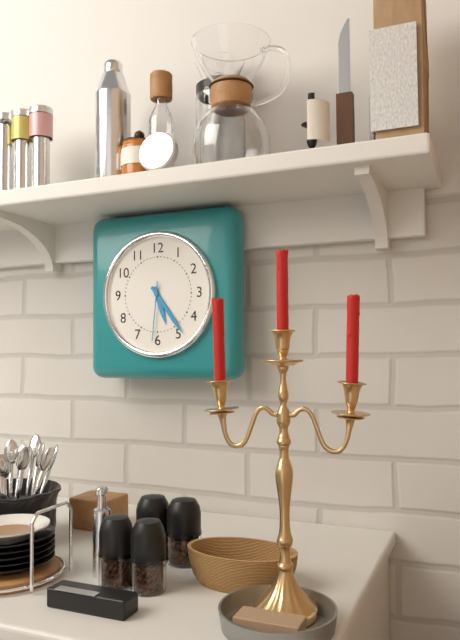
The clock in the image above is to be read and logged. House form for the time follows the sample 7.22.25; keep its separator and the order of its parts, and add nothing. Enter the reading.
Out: 5.24.31
